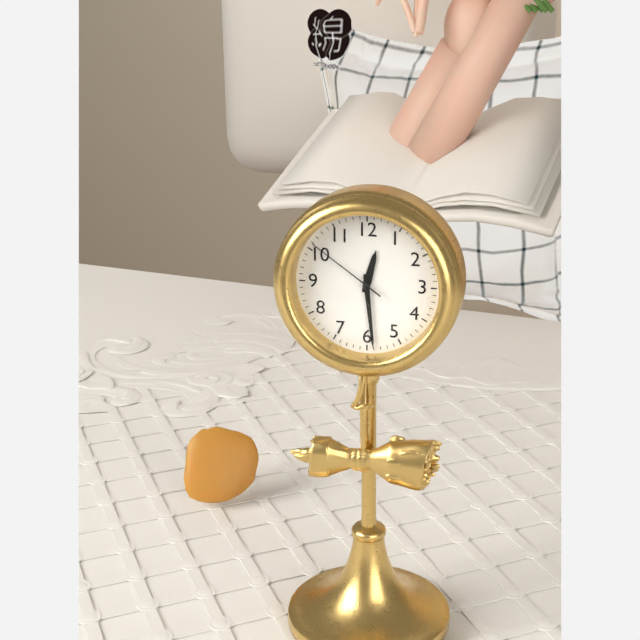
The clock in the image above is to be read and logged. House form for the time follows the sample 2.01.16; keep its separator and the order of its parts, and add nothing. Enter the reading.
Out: 12.29.51
